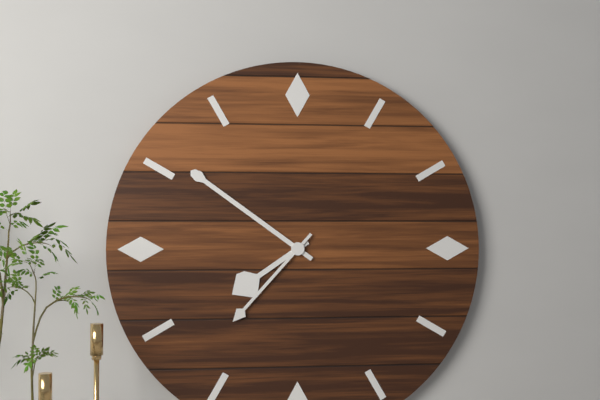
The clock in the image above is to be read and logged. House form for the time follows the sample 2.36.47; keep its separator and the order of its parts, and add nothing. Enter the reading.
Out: 7.51.37
